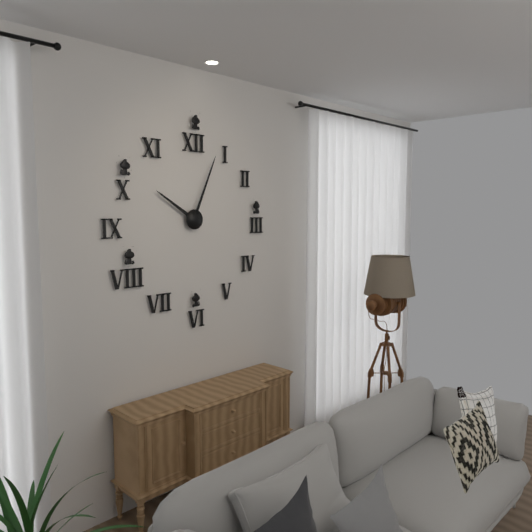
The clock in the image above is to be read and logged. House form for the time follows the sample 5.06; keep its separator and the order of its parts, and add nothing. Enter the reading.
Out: 10.04
